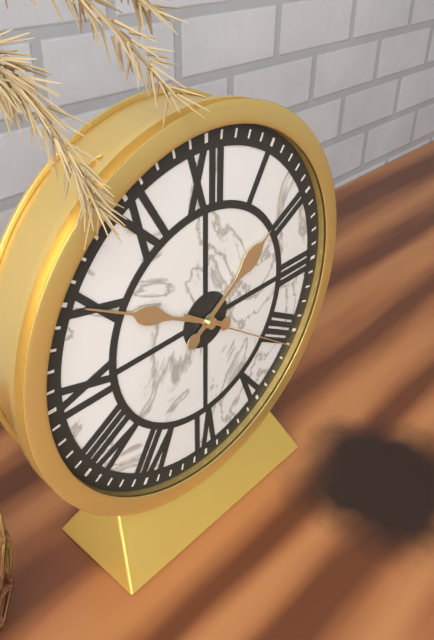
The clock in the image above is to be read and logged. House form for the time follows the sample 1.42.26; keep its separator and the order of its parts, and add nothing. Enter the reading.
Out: 1.50.21
